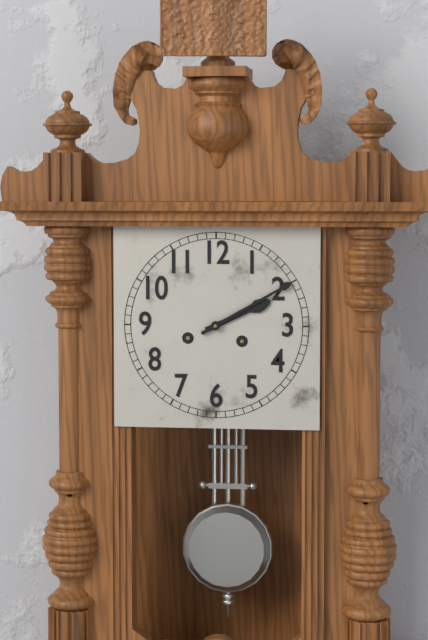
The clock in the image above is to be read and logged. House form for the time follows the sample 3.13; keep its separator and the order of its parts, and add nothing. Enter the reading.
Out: 2.10
